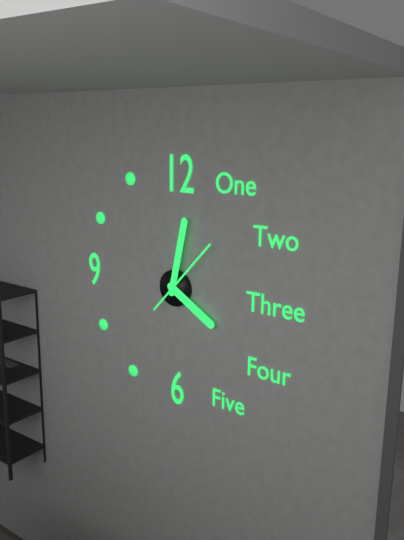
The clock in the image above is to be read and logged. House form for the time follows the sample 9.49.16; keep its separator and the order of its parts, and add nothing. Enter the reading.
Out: 4.02.07
